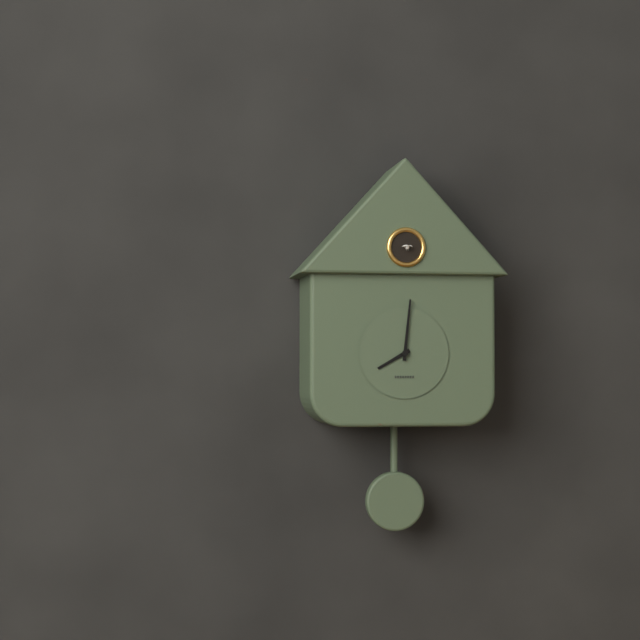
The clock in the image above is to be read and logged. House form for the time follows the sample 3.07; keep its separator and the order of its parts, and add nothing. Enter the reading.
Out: 8.01
